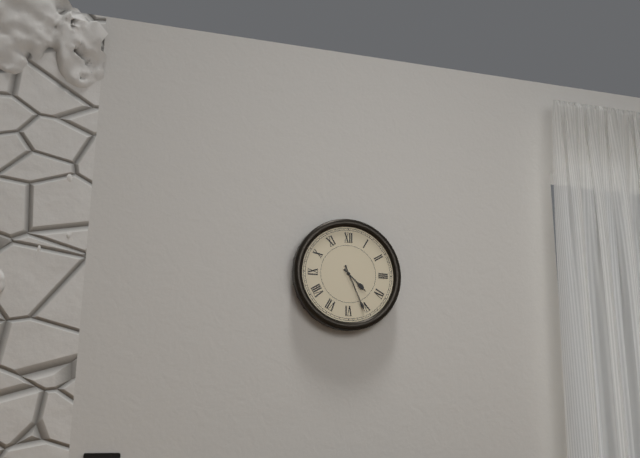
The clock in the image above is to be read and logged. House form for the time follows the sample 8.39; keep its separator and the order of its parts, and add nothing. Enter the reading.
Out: 4.26
